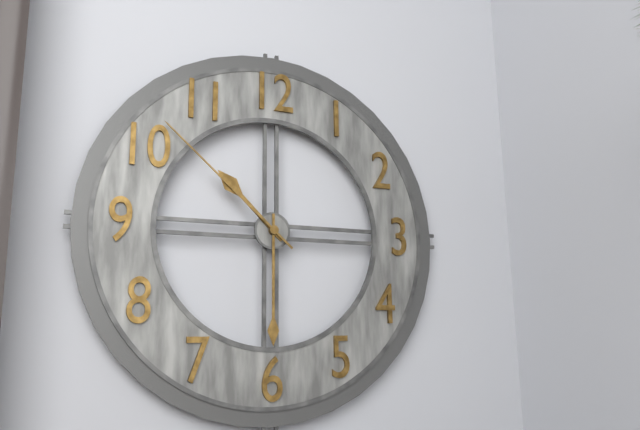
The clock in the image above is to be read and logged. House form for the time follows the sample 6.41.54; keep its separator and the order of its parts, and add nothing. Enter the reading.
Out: 10.30.52
